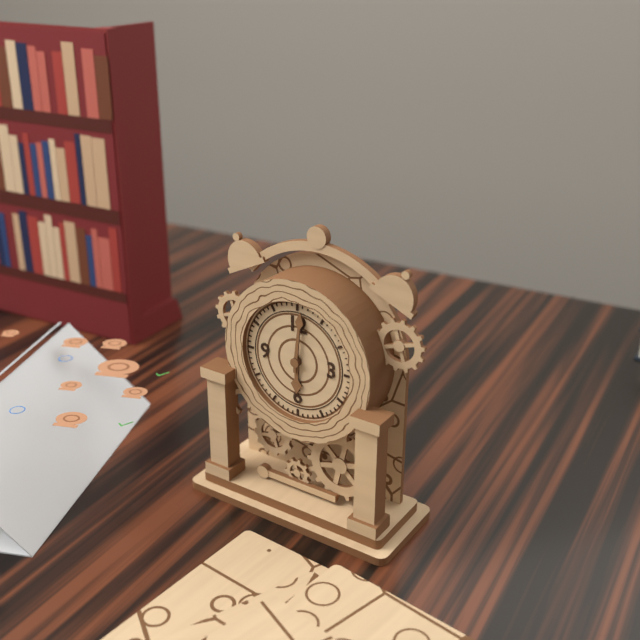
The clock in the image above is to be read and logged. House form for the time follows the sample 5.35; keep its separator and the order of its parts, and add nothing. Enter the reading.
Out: 6.01
